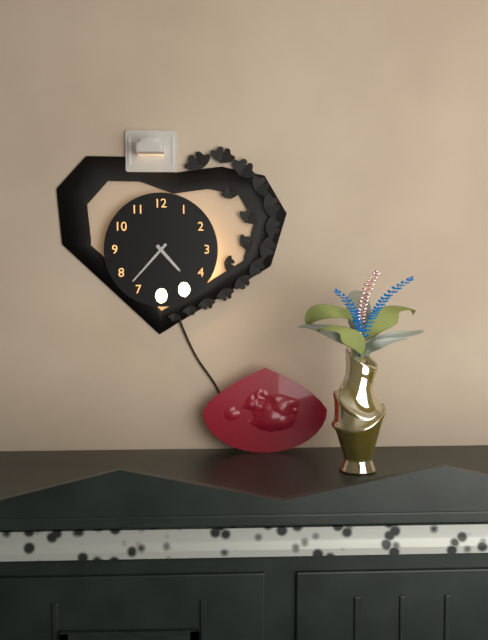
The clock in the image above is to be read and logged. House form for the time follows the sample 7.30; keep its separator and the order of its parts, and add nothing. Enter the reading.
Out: 4.37
